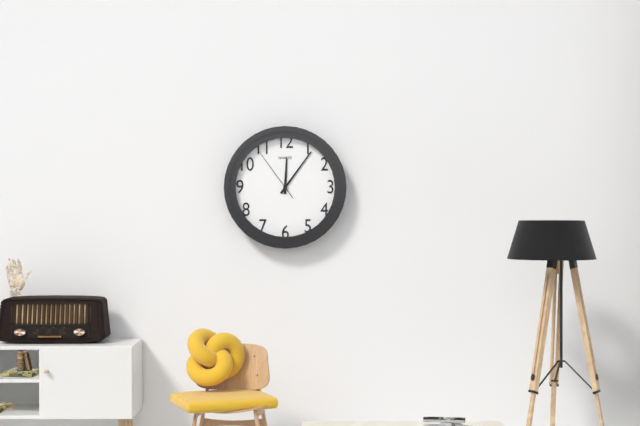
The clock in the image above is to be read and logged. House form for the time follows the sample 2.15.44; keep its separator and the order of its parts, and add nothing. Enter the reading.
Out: 12.06.54
